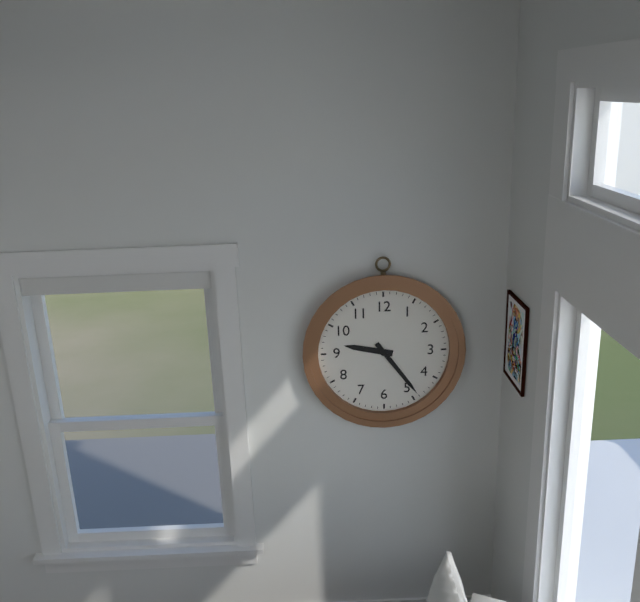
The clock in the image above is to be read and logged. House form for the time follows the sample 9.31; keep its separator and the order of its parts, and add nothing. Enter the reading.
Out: 9.24
